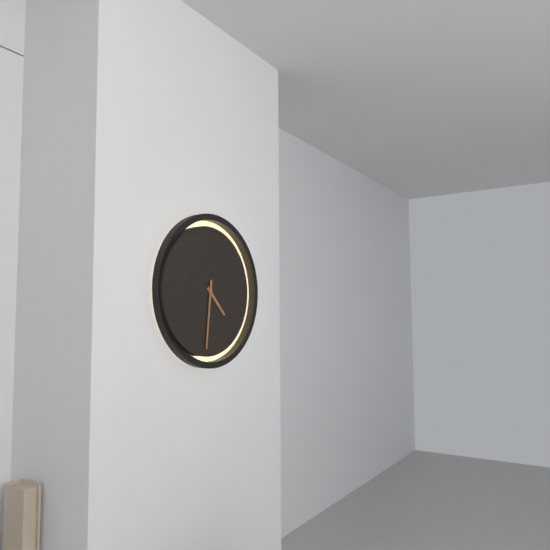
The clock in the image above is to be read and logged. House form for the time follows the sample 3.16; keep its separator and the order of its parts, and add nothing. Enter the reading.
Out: 4.31
